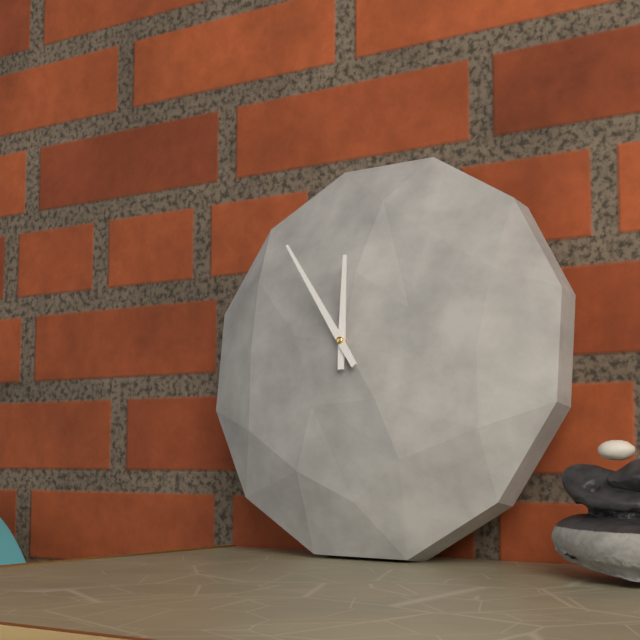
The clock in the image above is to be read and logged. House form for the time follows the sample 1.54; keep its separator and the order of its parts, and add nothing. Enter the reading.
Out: 11.54
